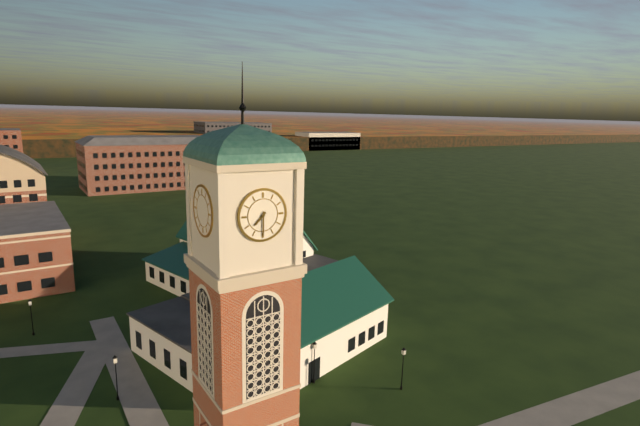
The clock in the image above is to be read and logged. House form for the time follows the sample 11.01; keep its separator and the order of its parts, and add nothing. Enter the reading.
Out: 7.30
